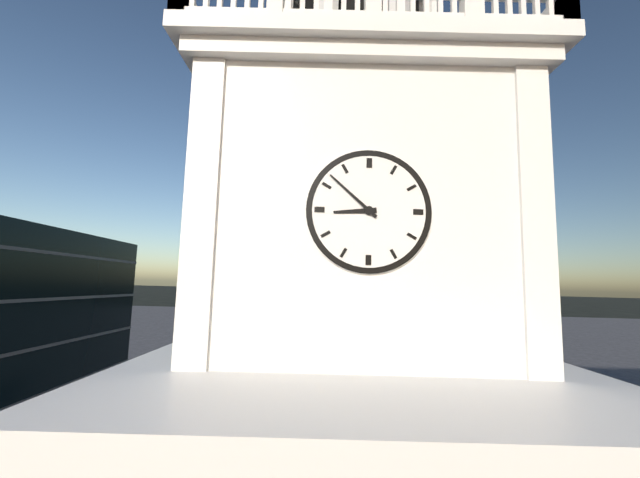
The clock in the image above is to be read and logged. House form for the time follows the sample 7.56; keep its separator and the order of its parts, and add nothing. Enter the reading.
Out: 8.52
